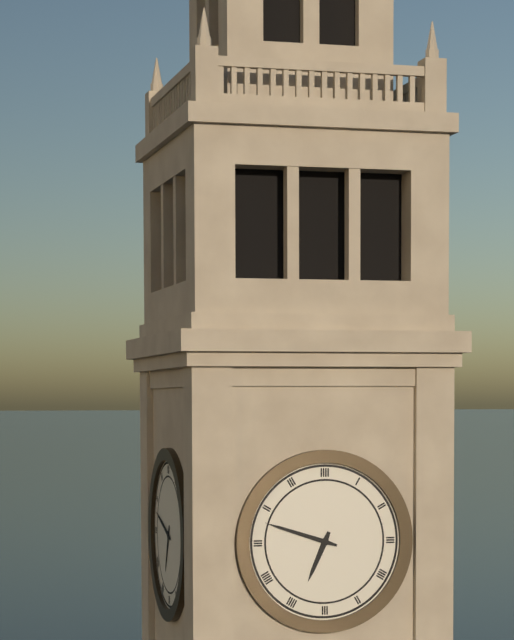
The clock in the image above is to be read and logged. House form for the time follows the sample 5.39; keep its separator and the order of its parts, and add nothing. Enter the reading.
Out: 6.48
